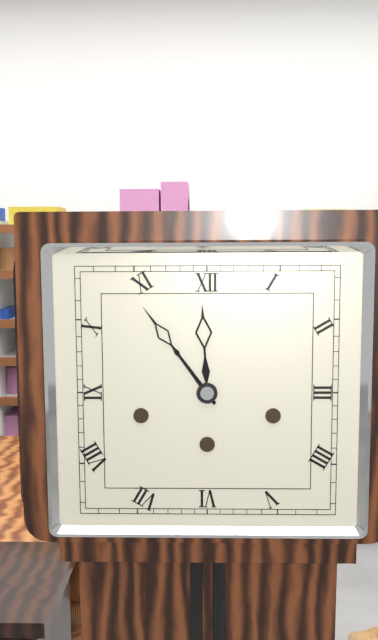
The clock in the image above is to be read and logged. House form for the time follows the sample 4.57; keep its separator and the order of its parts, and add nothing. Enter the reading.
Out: 11.54
